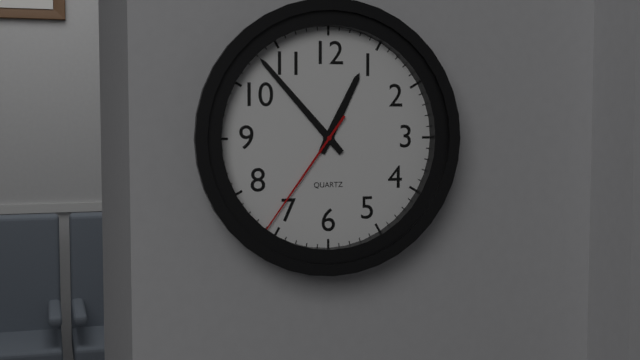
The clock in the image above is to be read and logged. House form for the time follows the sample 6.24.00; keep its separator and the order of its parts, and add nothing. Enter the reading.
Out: 12.53.36
